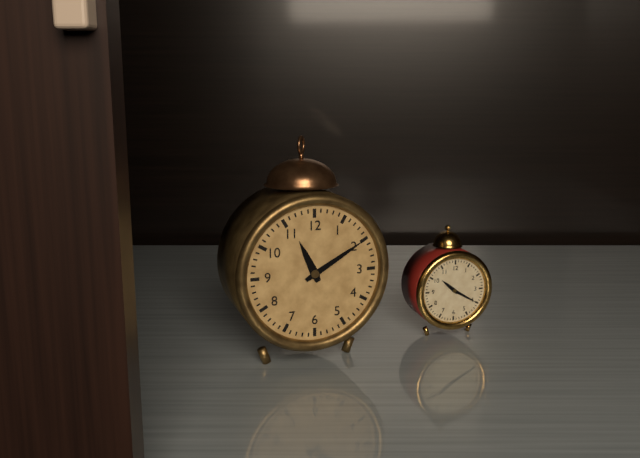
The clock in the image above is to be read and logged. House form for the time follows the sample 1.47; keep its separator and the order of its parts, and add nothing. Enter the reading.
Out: 11.10
